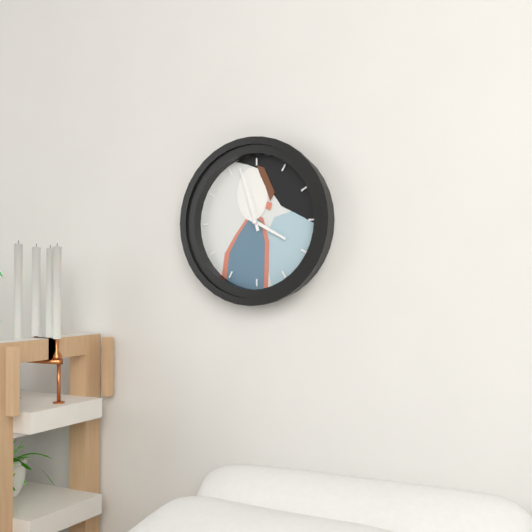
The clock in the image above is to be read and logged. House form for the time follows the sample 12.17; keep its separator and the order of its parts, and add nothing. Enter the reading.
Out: 3.57
